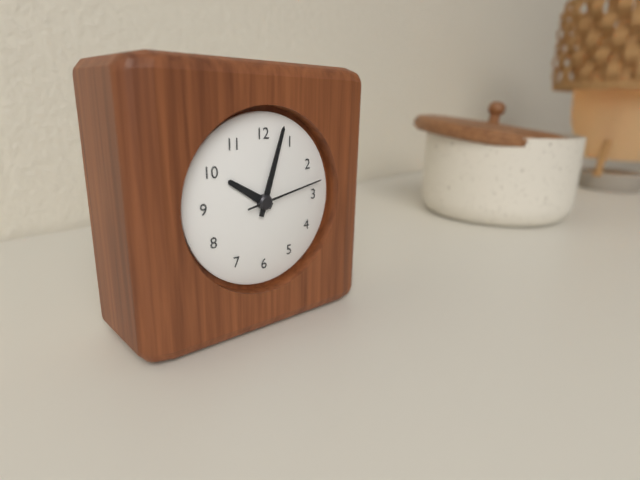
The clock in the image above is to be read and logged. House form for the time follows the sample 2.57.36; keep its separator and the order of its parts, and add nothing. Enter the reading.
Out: 10.03.13
